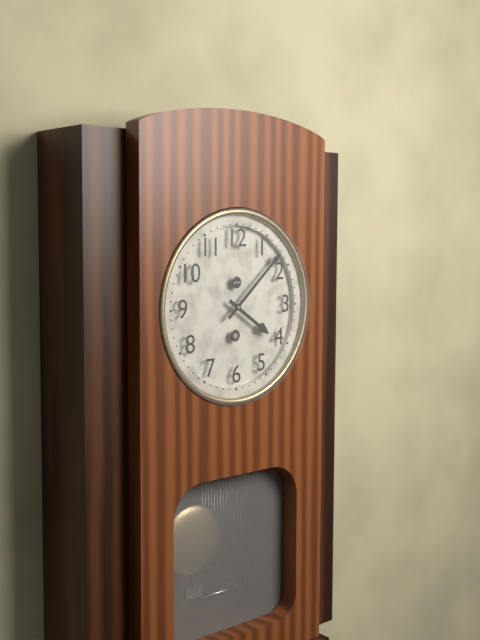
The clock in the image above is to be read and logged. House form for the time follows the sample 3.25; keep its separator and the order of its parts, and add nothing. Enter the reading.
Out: 4.08
